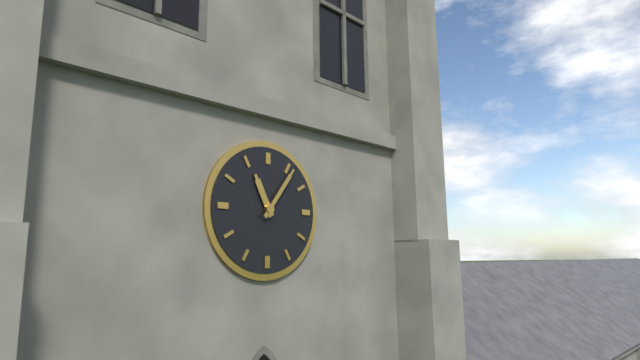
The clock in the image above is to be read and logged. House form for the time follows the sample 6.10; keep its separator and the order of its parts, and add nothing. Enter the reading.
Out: 11.06
